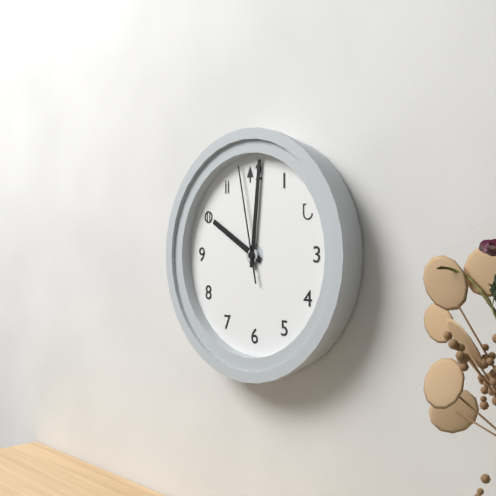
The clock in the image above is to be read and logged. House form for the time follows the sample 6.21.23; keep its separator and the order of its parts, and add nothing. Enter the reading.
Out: 10.01.58
